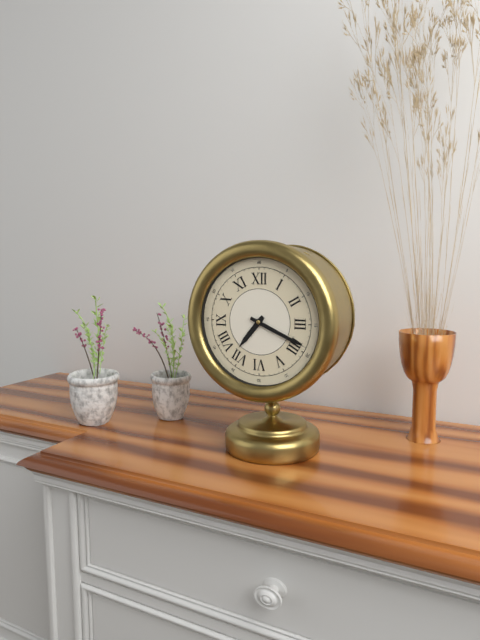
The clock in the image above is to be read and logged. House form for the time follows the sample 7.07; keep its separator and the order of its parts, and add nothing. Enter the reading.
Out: 7.19
